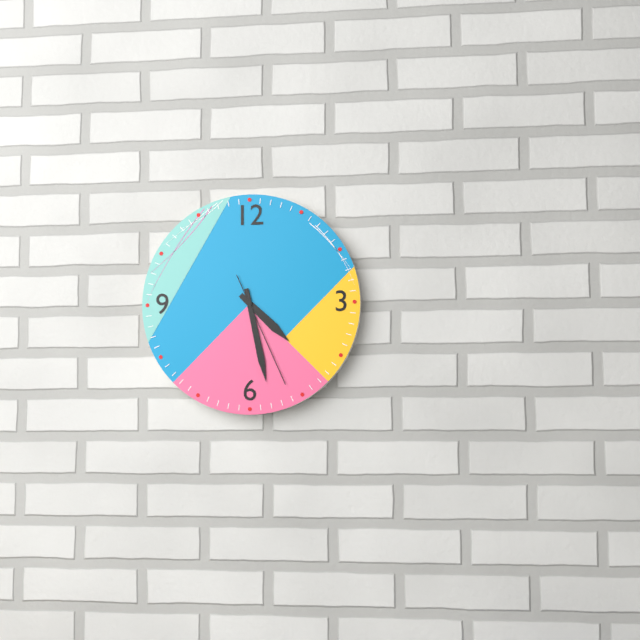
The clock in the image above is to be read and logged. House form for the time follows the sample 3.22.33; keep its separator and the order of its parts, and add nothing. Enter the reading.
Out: 4.28.26
